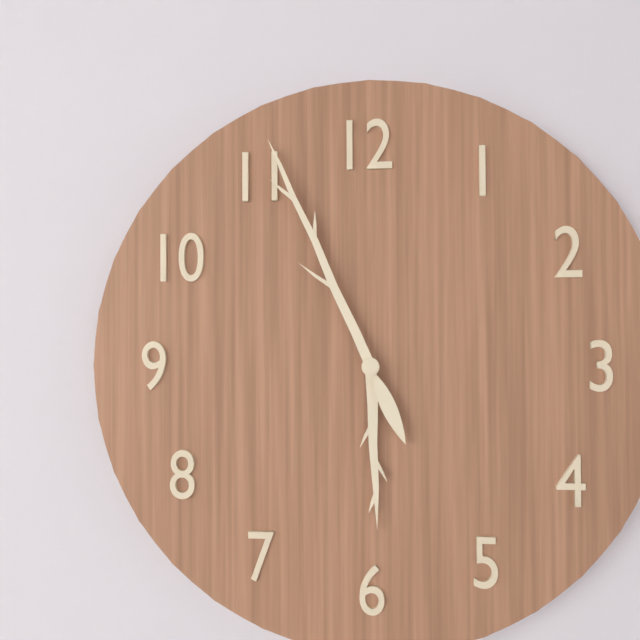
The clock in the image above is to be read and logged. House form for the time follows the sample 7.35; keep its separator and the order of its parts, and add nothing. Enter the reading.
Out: 5.56
